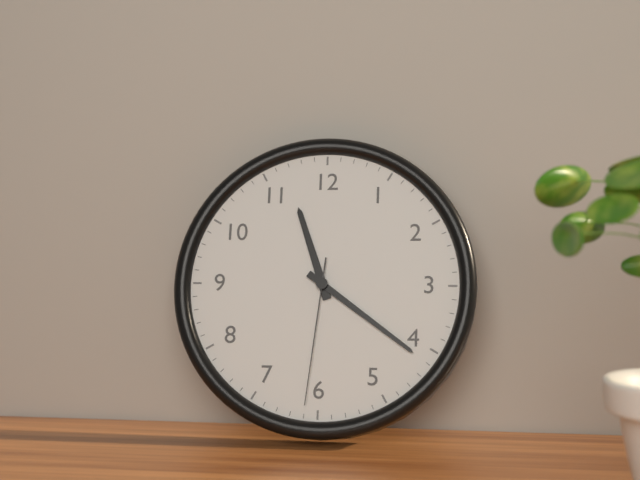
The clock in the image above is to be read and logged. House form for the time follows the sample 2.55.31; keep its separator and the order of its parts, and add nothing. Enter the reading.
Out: 11.21.31
